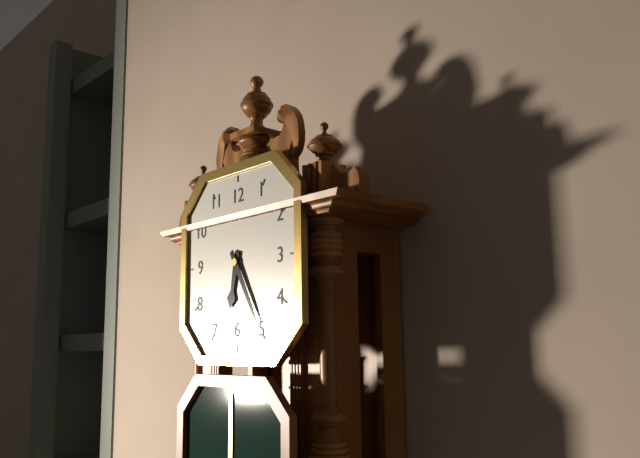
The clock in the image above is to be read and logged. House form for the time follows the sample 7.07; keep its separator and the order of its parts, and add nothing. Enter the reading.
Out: 6.25
